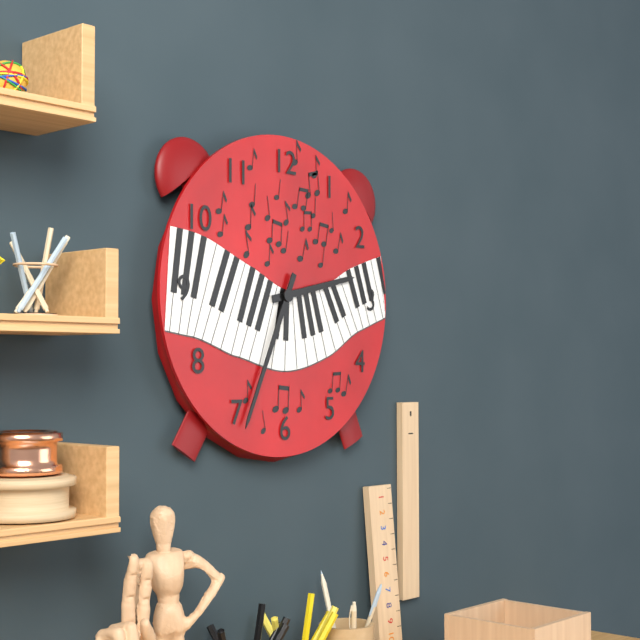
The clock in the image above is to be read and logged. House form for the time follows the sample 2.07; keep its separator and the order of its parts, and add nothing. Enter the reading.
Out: 2.34
